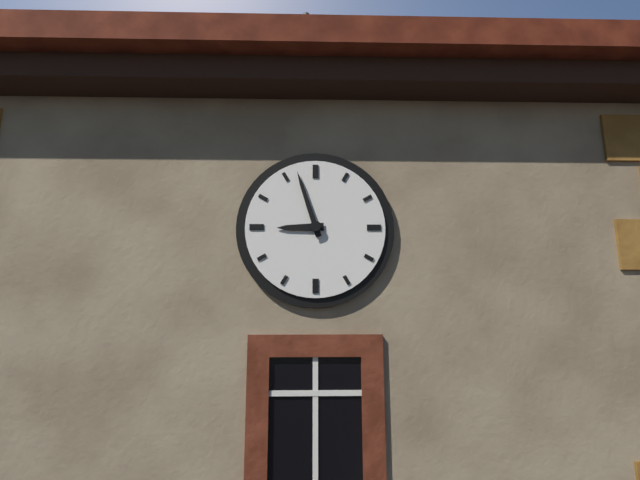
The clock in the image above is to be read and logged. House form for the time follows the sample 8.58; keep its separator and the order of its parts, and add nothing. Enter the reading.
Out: 8.57
